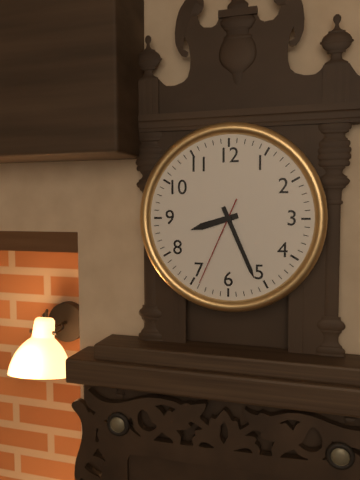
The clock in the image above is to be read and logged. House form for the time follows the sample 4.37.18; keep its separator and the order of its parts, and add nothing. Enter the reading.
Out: 8.26.34
